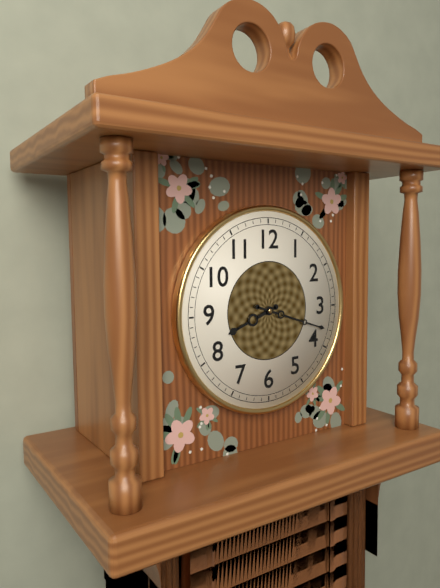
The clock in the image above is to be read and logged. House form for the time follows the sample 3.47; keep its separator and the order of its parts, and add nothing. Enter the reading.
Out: 8.18
